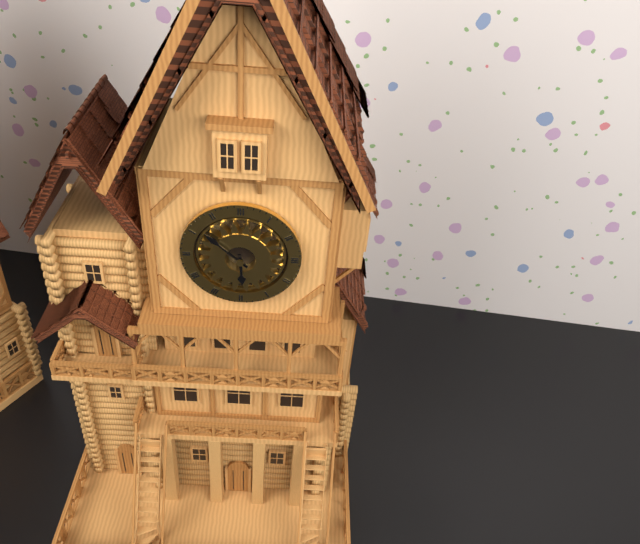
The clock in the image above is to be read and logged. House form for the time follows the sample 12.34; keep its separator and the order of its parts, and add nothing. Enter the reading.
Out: 5.52
